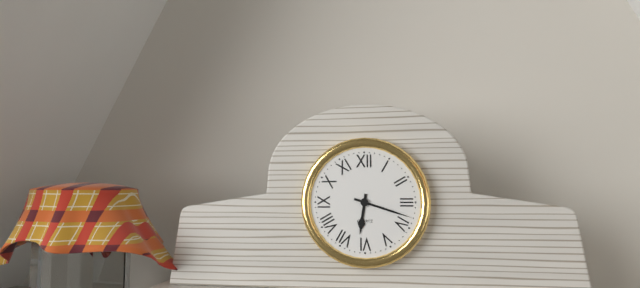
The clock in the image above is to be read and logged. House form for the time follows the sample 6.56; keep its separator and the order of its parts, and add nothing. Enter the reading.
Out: 6.18
